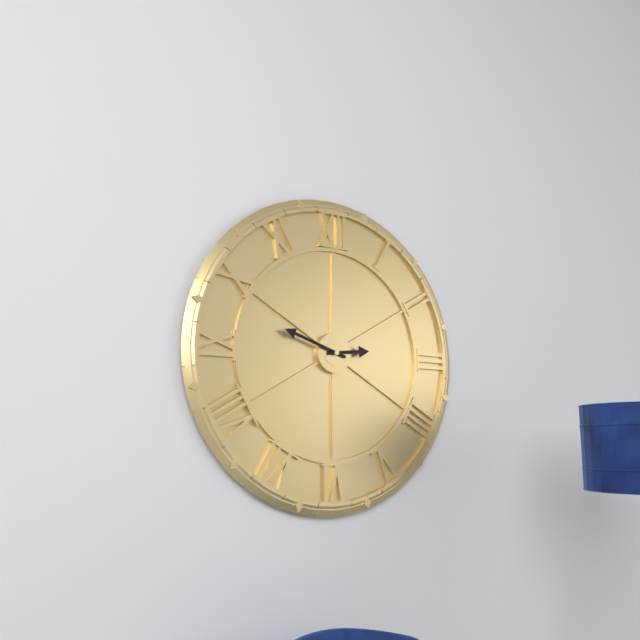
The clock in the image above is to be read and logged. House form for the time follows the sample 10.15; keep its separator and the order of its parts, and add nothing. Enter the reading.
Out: 2.48
